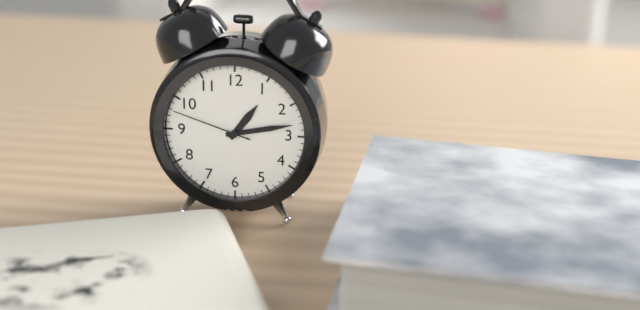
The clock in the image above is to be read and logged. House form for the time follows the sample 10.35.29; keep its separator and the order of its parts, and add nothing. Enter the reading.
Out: 1.13.48
